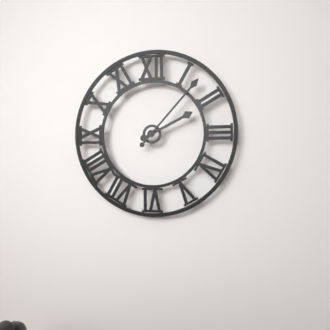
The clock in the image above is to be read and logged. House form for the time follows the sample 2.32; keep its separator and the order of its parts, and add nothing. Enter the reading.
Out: 2.07
